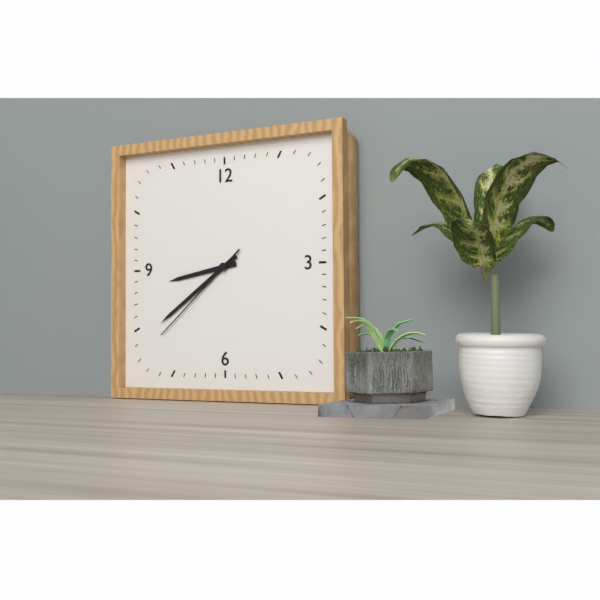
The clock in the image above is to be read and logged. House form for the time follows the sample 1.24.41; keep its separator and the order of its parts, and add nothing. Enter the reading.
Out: 8.39.38
